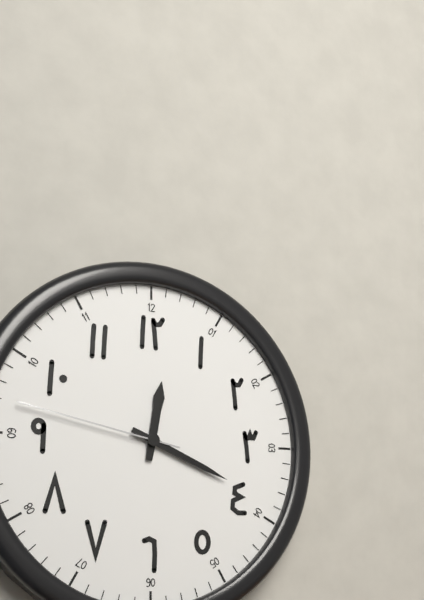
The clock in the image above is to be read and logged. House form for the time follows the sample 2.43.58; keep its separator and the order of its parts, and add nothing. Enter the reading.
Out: 12.19.47
